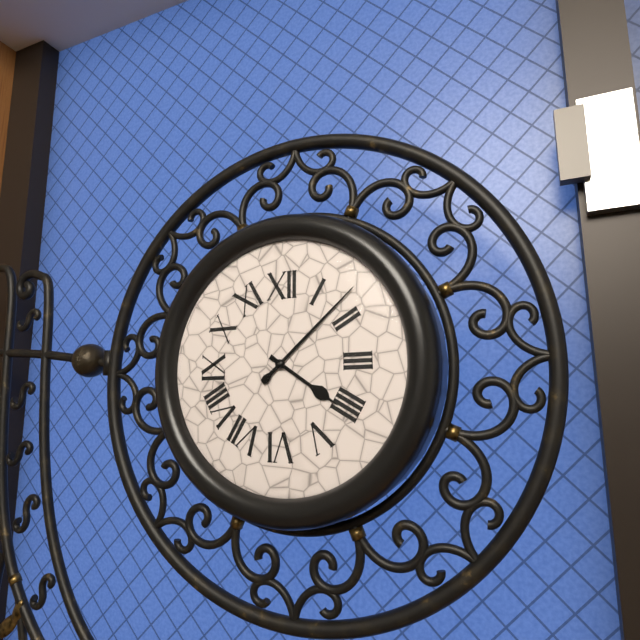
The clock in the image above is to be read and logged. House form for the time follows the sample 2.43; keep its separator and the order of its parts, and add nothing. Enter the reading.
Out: 4.08
